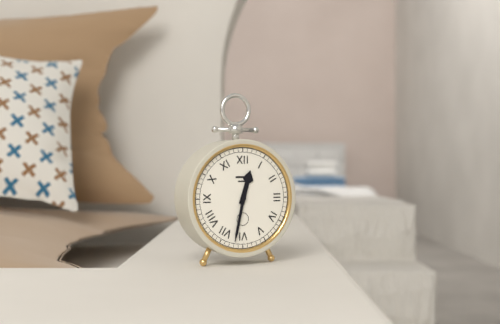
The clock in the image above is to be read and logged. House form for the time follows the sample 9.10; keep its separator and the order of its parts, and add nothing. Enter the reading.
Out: 12.32
